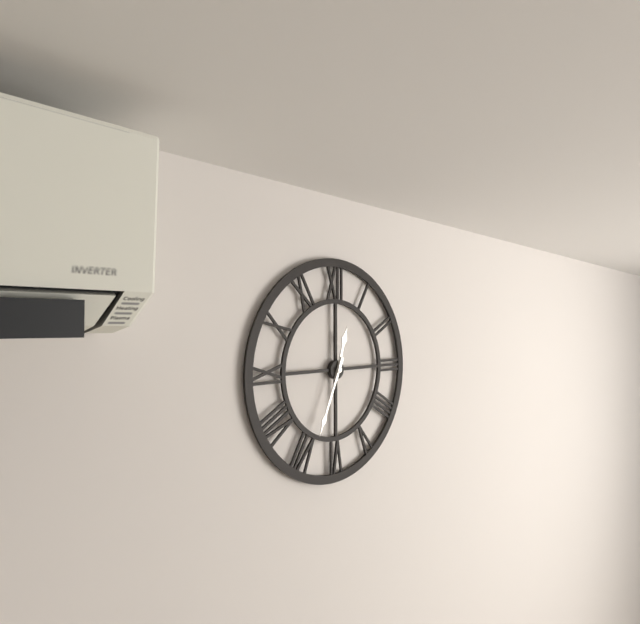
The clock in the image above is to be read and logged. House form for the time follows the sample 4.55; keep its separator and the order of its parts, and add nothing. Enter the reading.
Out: 12.34
